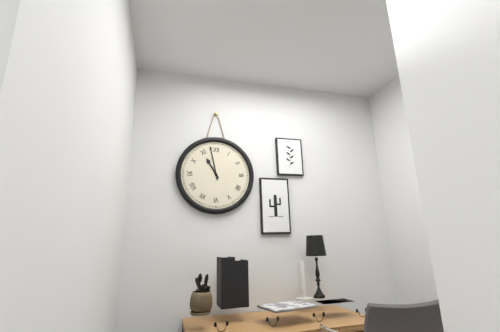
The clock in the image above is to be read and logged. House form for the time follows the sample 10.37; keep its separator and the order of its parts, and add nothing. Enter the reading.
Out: 10.58
